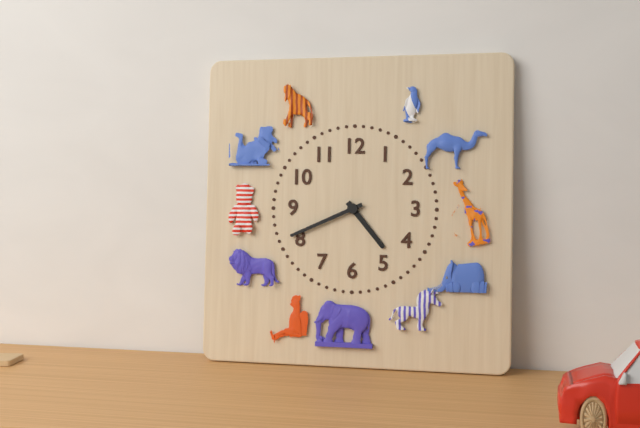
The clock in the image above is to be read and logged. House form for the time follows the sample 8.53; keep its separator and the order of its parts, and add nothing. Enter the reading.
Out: 4.41
